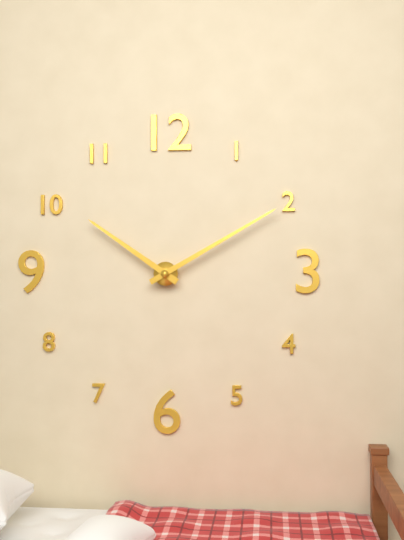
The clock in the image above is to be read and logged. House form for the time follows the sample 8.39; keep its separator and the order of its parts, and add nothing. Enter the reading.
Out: 10.10
